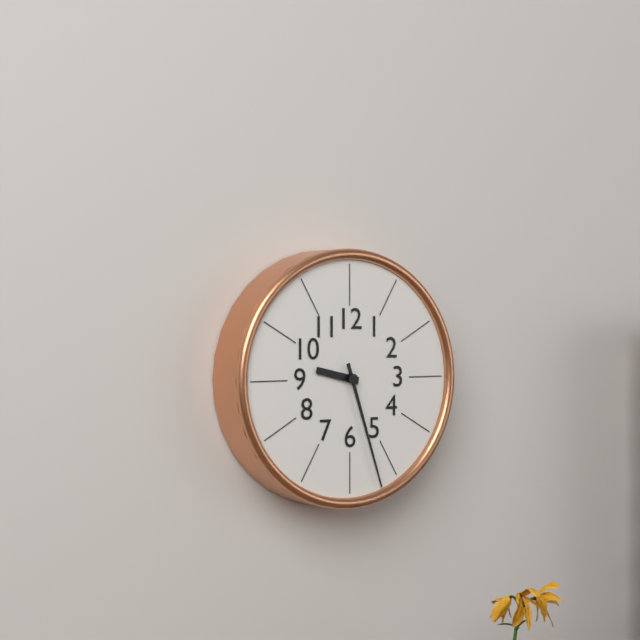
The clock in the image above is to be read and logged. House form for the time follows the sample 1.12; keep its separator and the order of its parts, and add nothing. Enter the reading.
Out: 9.27
